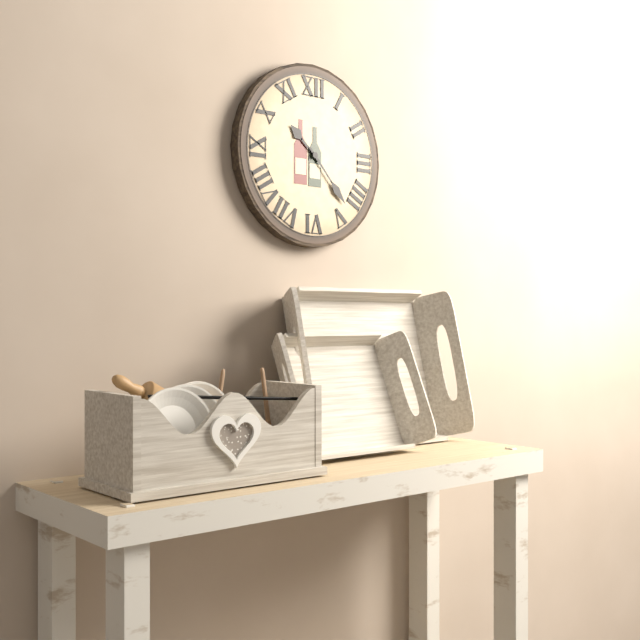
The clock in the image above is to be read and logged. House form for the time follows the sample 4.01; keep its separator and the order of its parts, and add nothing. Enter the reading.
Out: 10.23
